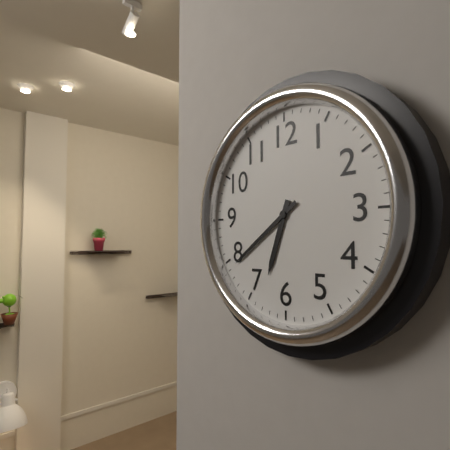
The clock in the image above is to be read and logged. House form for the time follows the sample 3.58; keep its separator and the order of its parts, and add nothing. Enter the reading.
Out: 6.39
